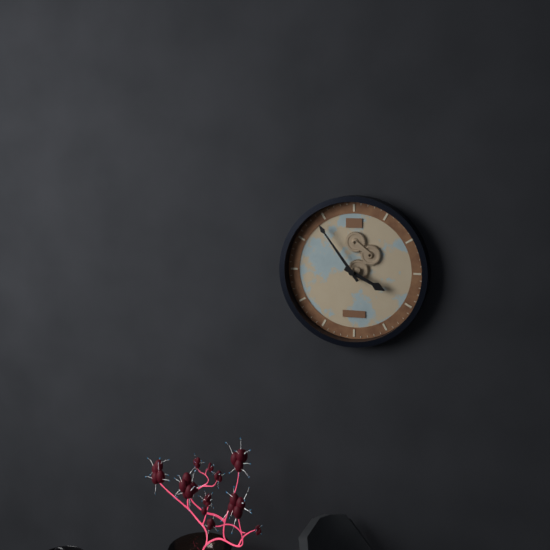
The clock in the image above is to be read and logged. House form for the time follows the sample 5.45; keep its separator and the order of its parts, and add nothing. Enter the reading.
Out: 3.54
